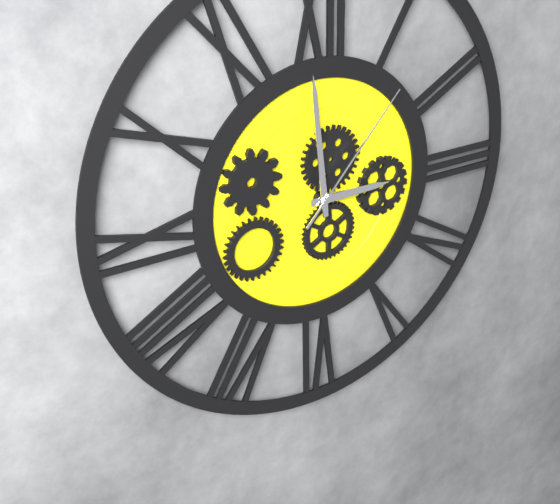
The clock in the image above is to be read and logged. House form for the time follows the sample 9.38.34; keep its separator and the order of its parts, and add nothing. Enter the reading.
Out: 2.59.07
